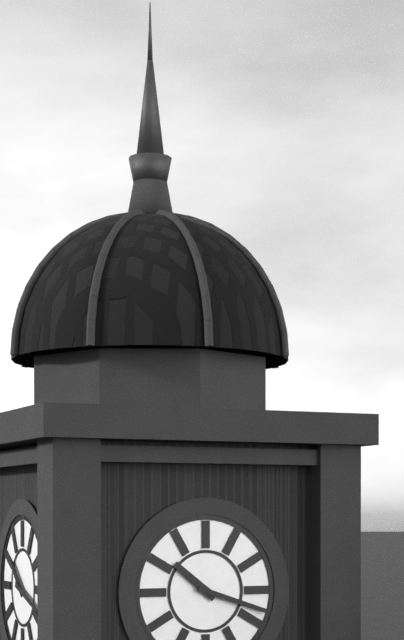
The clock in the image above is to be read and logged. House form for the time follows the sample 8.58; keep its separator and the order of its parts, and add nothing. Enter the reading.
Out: 10.18
